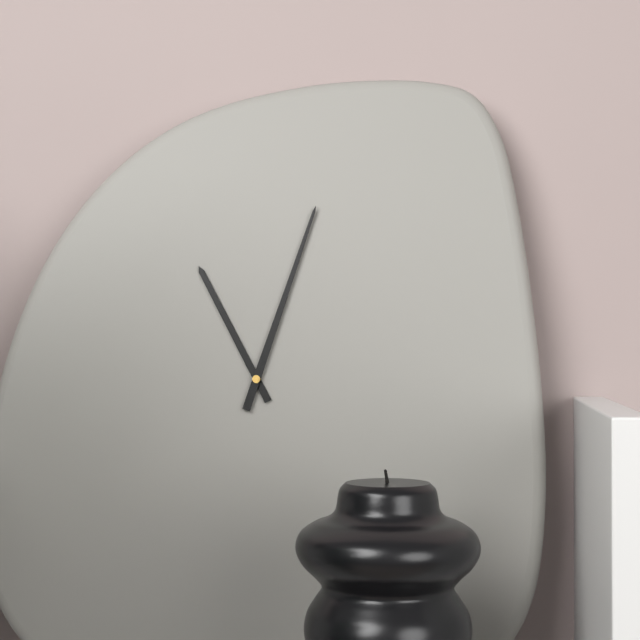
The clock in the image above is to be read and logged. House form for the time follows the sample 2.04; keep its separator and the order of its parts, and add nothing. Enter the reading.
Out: 11.03
